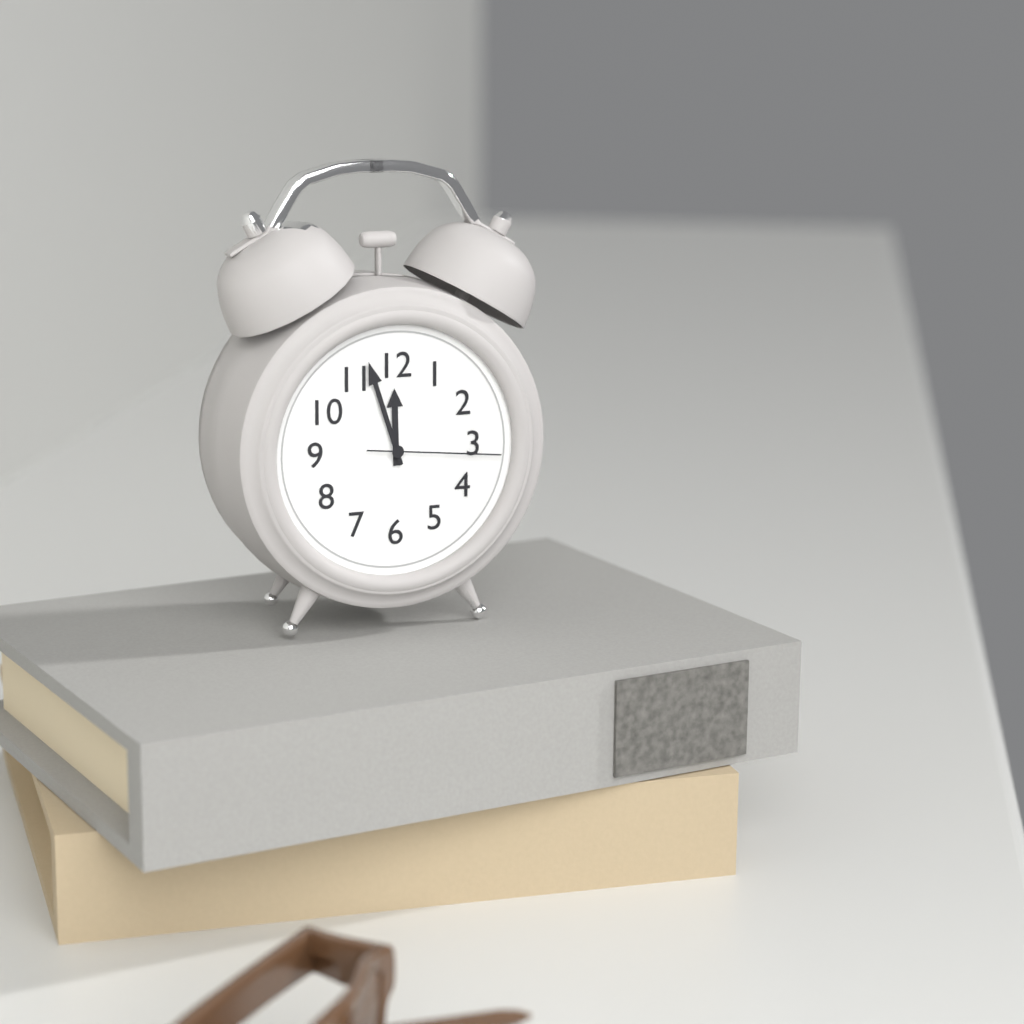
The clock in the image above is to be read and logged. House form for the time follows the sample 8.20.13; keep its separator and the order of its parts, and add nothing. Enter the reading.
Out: 11.57.16
